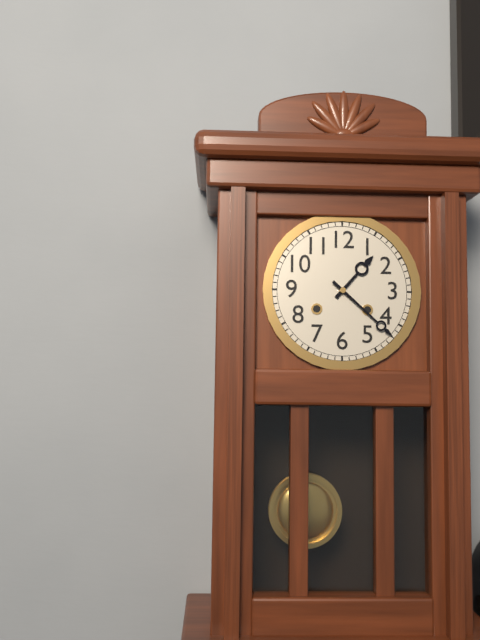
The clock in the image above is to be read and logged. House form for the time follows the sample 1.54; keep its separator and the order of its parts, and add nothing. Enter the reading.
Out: 1.22
